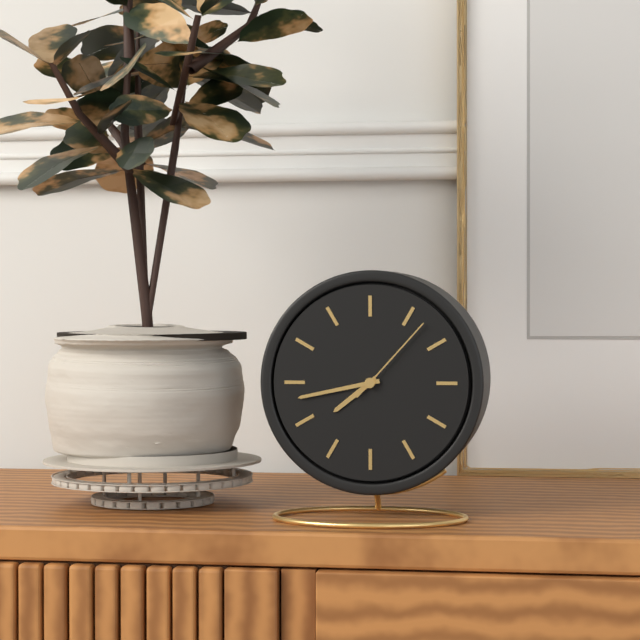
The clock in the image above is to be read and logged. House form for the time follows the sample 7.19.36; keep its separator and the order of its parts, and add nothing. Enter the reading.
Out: 7.43.07
